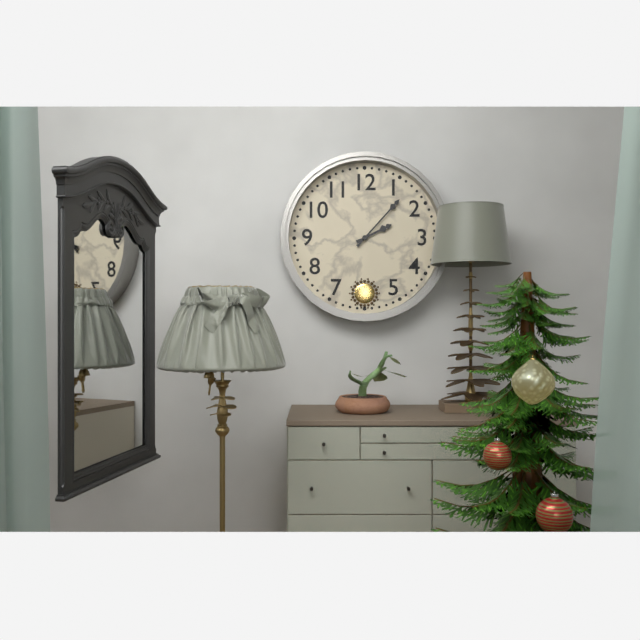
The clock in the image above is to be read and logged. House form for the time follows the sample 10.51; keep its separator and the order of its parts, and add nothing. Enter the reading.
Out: 2.07
